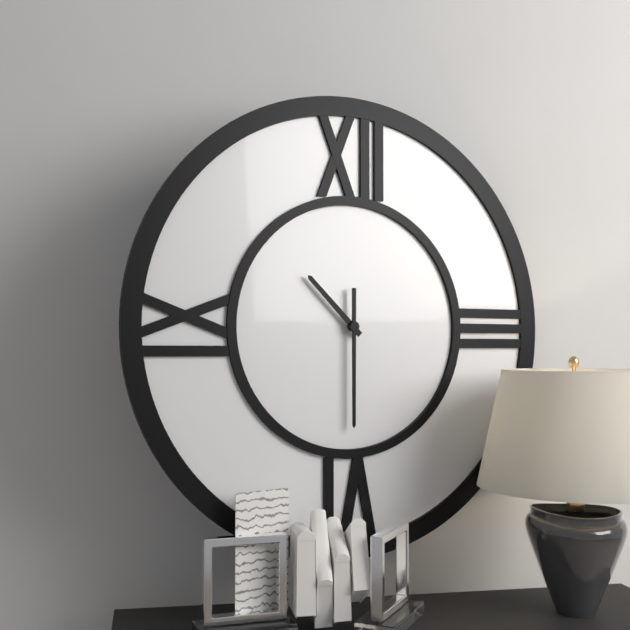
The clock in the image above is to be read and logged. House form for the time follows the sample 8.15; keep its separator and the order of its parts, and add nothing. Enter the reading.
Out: 10.30
